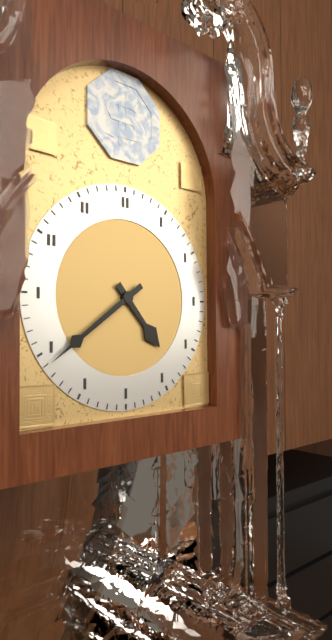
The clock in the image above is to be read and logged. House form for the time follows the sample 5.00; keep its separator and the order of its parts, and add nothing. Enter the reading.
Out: 4.39
